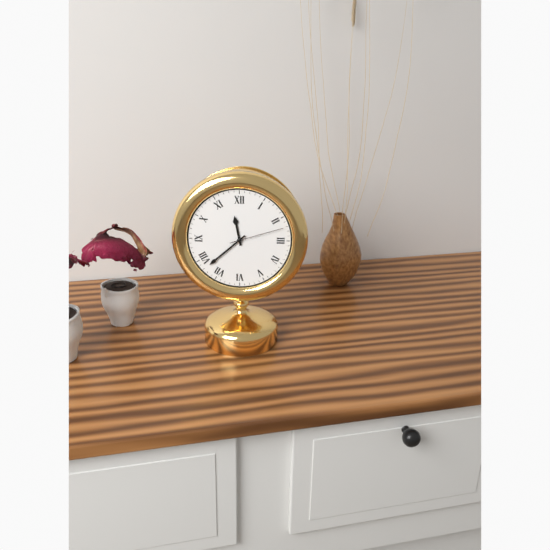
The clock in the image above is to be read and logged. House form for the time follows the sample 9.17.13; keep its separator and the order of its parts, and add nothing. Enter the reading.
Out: 11.38.12
